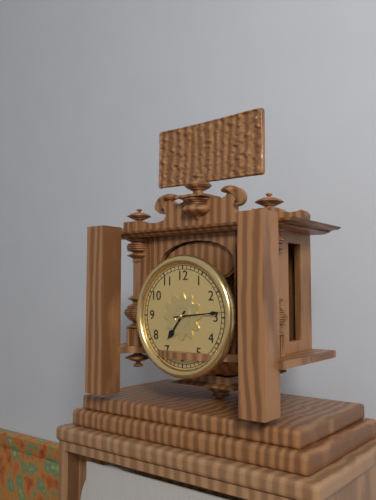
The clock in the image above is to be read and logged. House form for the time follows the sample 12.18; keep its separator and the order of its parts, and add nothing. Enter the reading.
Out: 7.14
